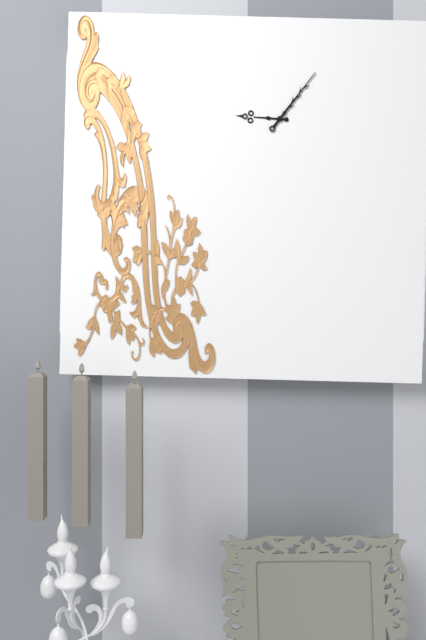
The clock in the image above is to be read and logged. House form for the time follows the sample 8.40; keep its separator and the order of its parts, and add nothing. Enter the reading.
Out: 9.06
